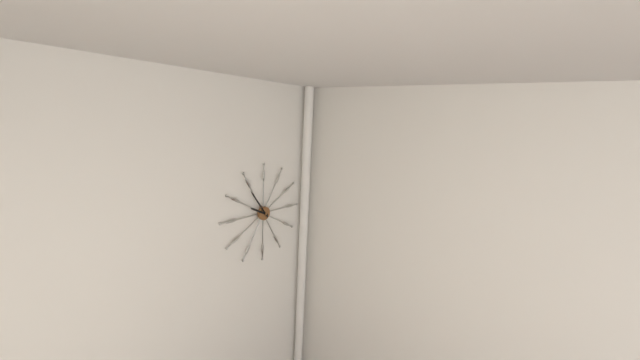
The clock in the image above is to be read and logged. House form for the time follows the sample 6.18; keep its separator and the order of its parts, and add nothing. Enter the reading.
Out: 9.54
